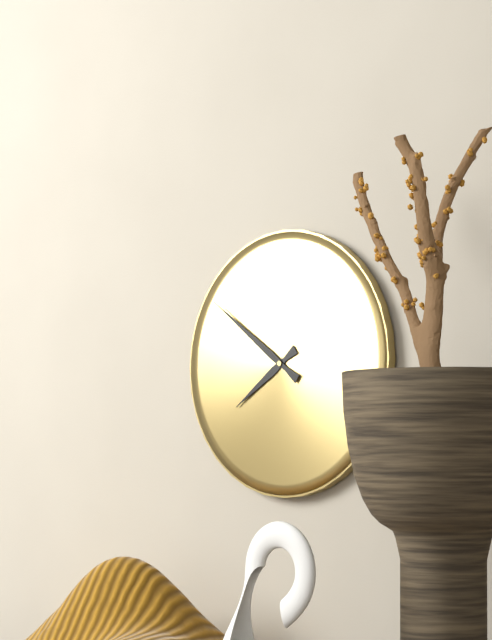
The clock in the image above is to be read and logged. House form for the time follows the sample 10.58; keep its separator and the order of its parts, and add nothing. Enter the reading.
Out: 7.51
